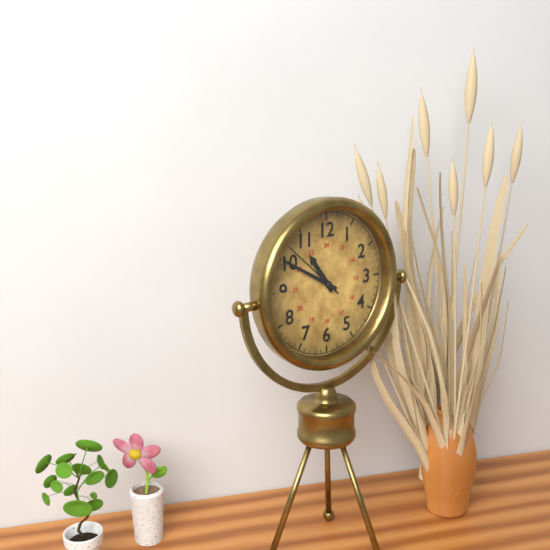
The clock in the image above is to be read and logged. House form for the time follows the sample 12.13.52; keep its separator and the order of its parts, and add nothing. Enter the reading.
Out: 10.50.52
